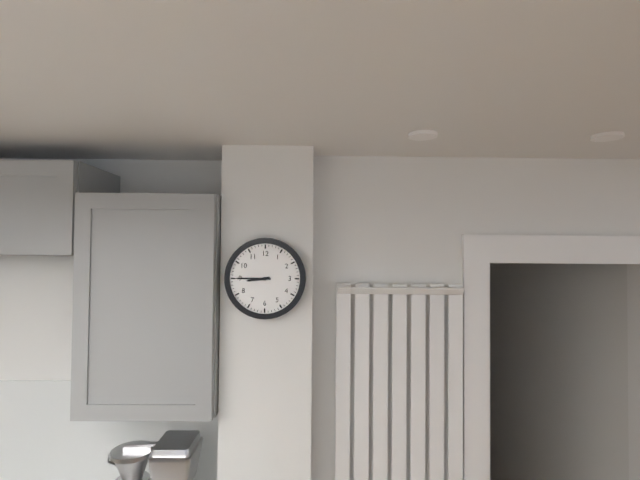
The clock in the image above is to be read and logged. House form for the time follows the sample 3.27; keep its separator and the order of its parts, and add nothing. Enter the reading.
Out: 8.45
